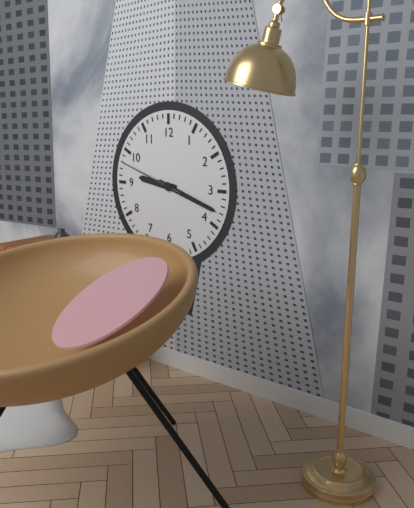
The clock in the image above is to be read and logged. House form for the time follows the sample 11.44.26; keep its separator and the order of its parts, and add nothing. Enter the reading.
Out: 9.18.48
